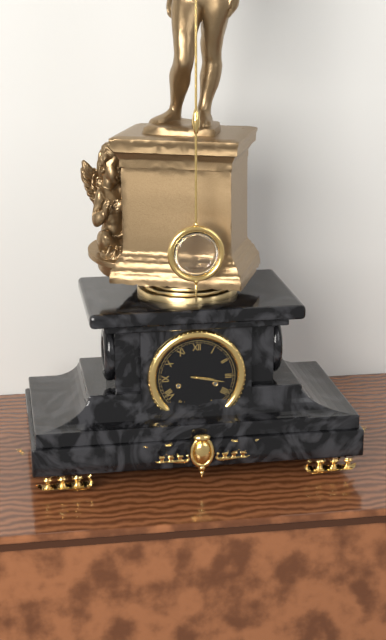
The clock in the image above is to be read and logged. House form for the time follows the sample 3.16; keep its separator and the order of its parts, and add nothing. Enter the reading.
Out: 3.17
